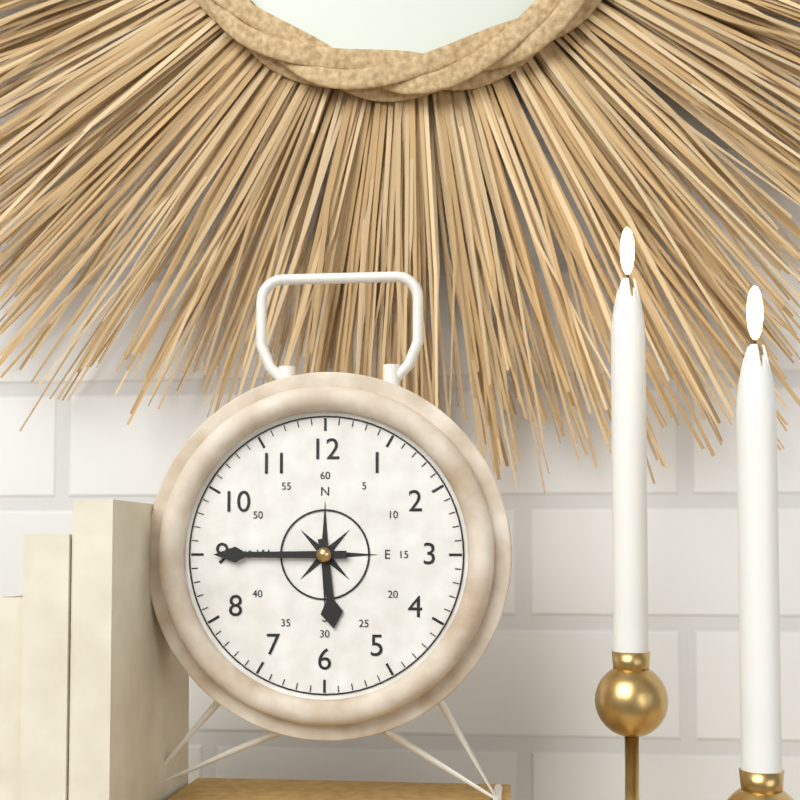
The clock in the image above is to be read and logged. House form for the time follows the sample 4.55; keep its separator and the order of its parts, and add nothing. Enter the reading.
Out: 5.45
